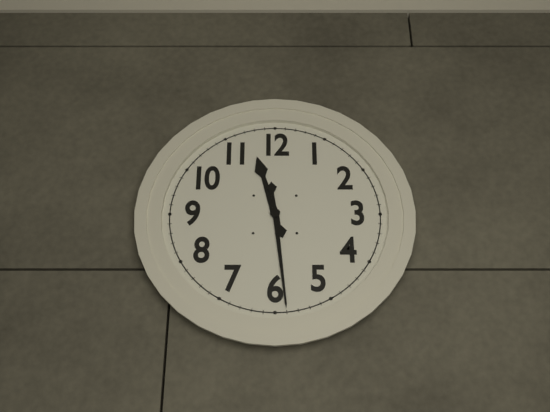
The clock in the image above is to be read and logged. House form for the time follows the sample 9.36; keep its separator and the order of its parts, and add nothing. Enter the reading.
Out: 11.29
